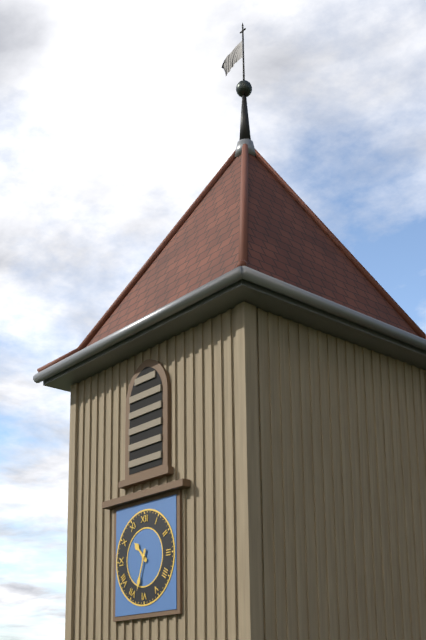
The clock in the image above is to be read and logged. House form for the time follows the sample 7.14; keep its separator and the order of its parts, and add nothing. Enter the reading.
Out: 10.33
